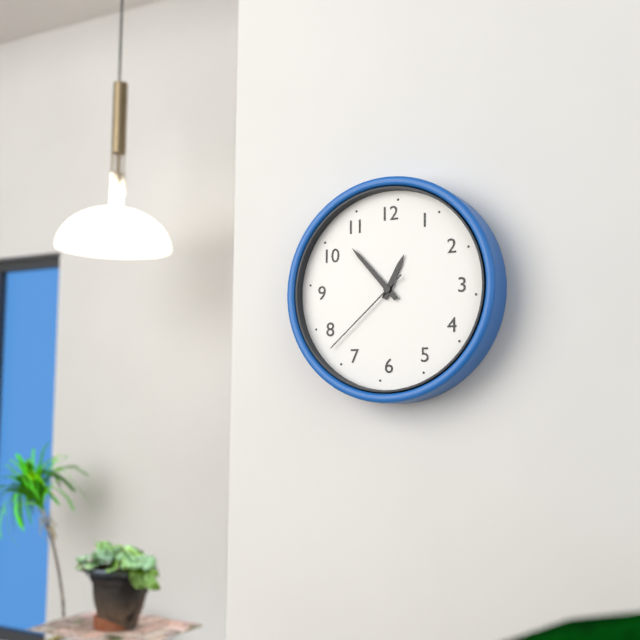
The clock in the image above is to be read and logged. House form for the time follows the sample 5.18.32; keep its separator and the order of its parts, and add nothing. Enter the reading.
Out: 12.53.38
